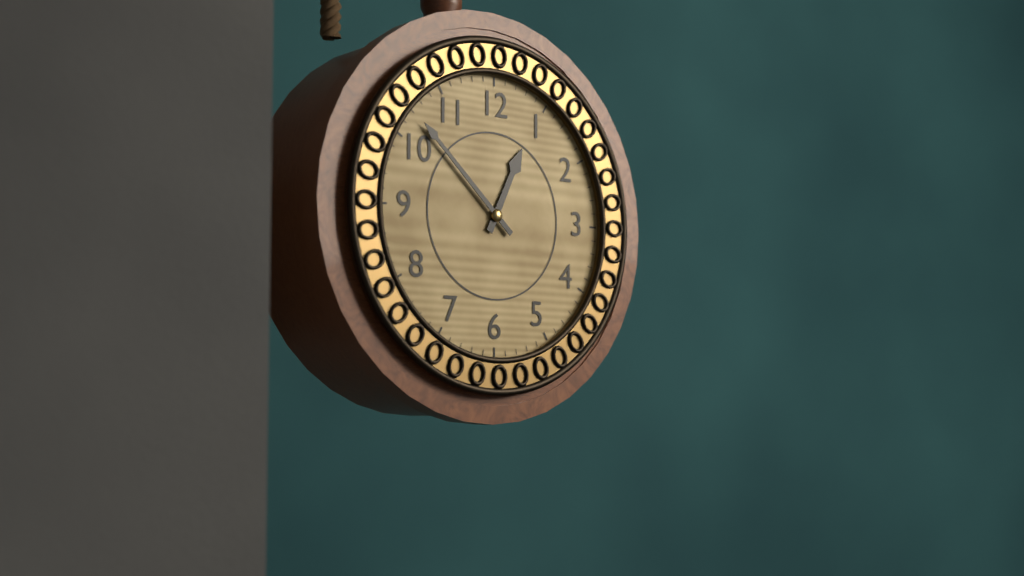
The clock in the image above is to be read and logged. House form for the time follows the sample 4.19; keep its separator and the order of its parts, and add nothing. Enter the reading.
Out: 12.52
